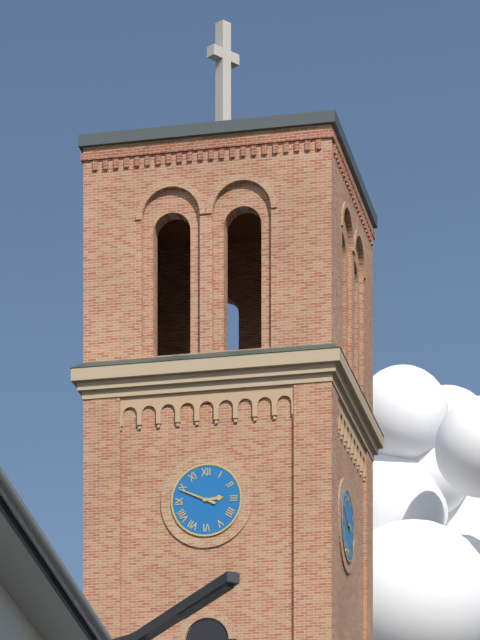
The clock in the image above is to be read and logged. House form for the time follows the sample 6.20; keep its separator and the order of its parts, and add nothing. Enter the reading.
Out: 2.49
